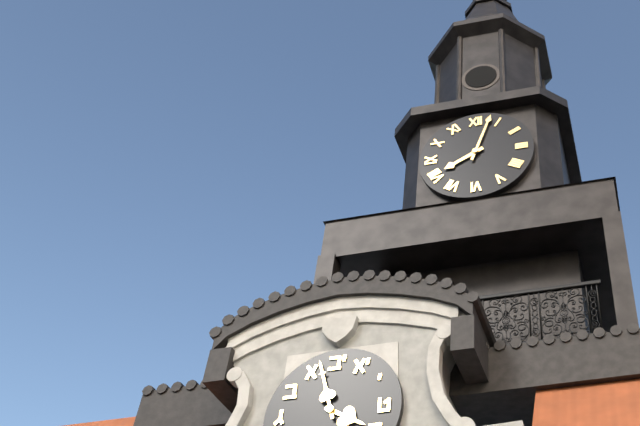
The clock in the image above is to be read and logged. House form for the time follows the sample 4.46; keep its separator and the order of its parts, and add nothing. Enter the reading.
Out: 8.03
